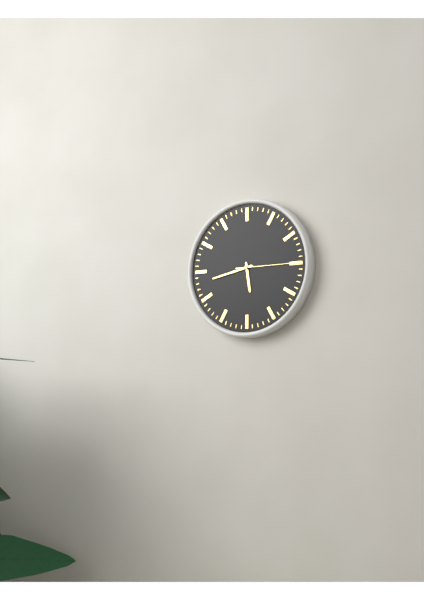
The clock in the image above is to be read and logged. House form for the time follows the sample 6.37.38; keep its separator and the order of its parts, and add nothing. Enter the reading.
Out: 5.43.15
